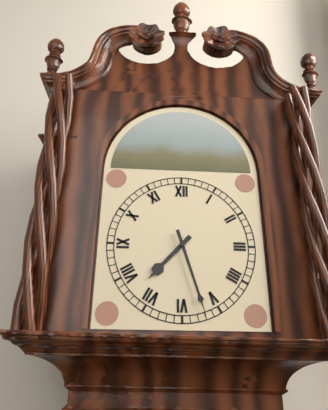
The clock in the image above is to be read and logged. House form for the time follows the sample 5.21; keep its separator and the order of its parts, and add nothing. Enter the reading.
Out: 7.27
